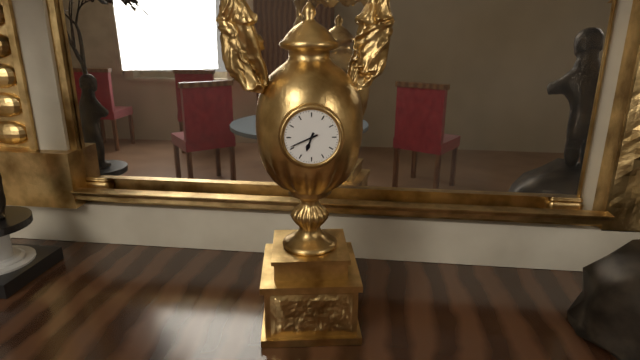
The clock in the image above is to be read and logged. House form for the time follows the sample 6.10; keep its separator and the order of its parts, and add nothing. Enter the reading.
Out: 6.41
